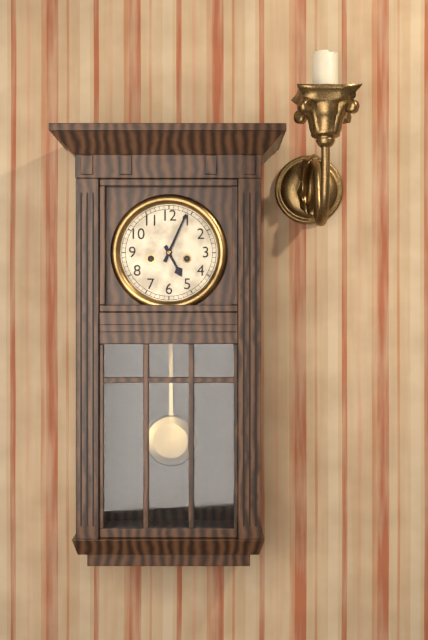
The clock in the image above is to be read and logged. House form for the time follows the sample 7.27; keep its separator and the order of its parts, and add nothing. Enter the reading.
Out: 5.04
